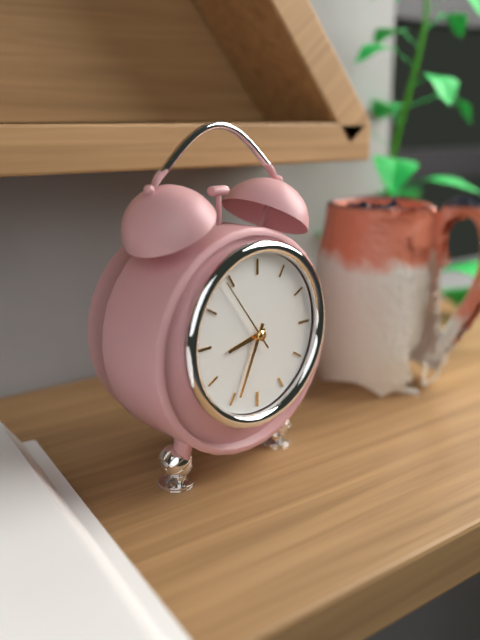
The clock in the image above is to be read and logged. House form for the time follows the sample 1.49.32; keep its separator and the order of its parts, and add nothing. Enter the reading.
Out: 8.34.54
